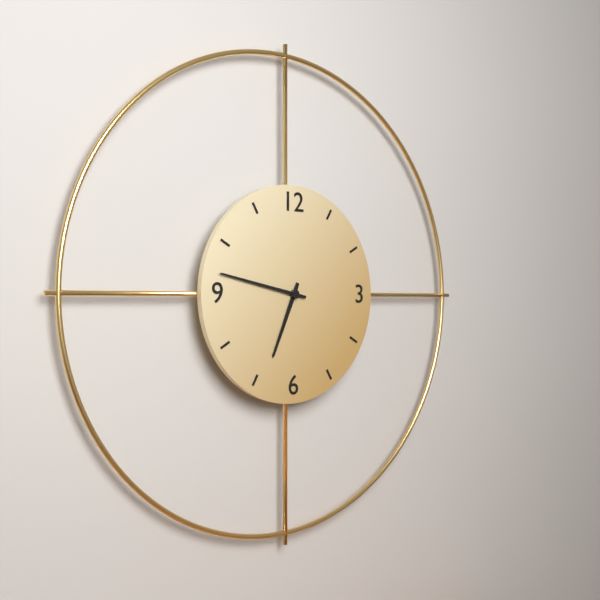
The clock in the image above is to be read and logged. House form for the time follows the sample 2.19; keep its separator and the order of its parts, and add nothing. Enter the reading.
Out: 6.47
